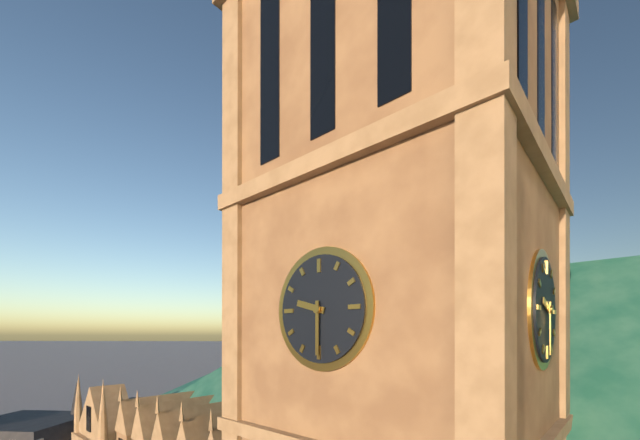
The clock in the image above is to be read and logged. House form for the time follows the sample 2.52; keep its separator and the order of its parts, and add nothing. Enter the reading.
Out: 9.30
